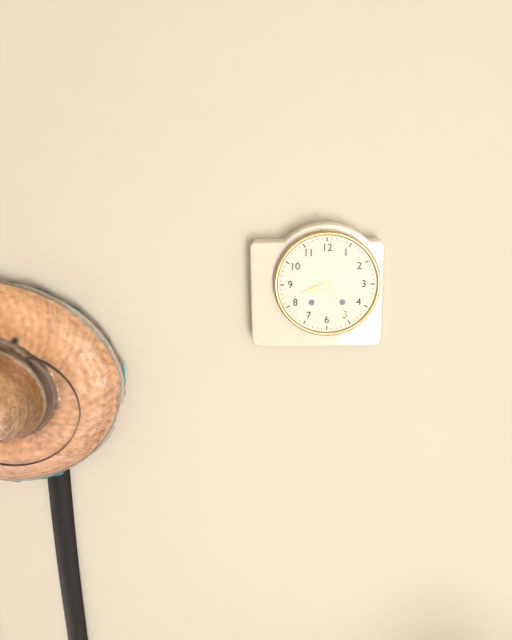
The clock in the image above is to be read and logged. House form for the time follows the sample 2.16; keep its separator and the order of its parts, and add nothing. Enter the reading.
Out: 8.25
